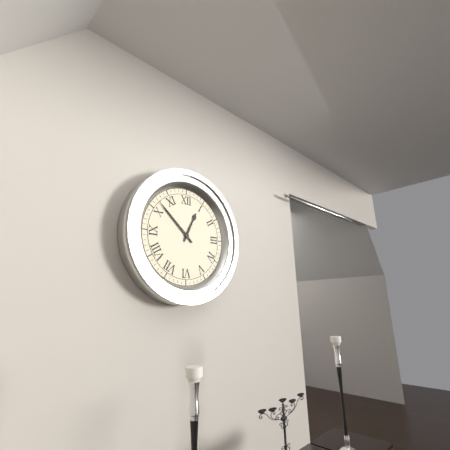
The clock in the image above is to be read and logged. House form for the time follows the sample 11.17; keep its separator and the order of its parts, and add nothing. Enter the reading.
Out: 12.52
